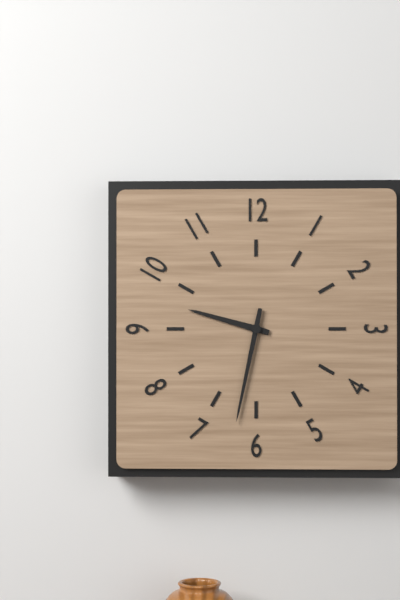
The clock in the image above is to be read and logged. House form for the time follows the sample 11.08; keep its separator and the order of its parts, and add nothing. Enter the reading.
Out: 9.32
